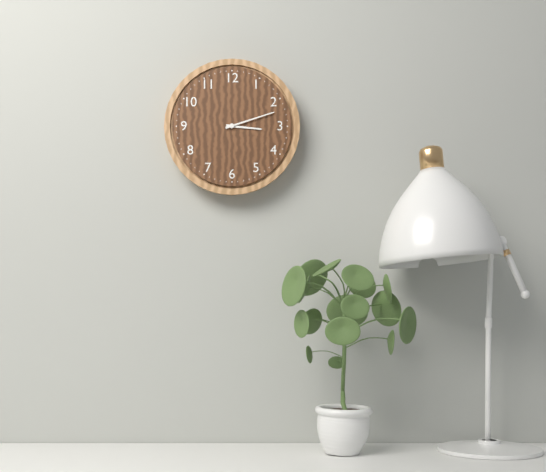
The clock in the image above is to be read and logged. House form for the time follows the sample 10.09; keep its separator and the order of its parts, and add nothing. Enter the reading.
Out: 3.12
